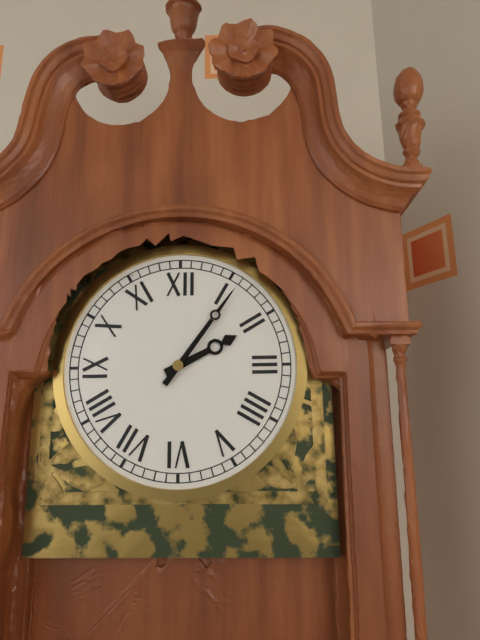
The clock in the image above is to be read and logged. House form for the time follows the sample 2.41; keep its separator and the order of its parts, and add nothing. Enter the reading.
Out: 2.06
